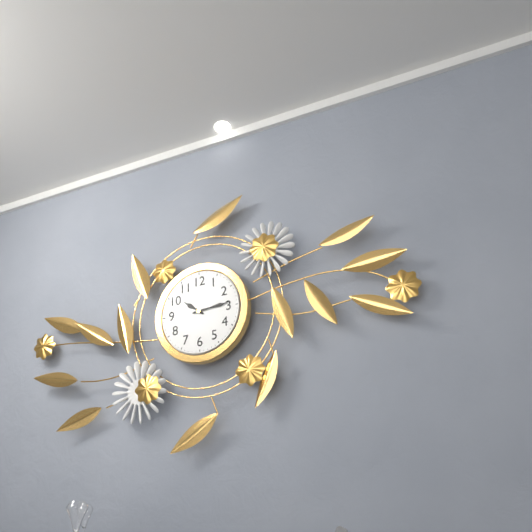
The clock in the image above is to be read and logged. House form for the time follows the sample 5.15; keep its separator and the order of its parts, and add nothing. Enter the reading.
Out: 10.14
